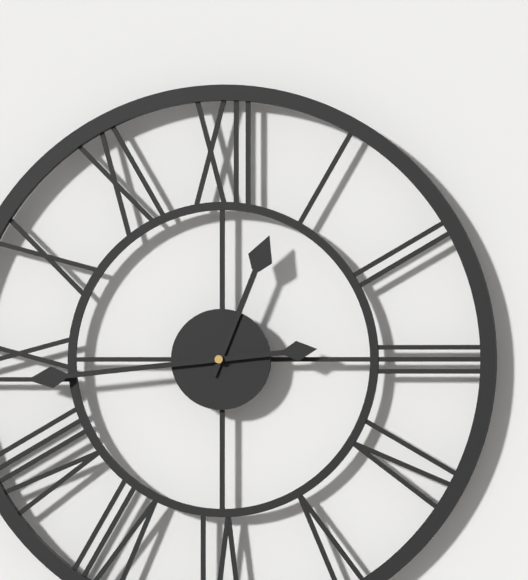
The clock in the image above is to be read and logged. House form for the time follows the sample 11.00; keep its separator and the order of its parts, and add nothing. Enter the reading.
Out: 12.44
